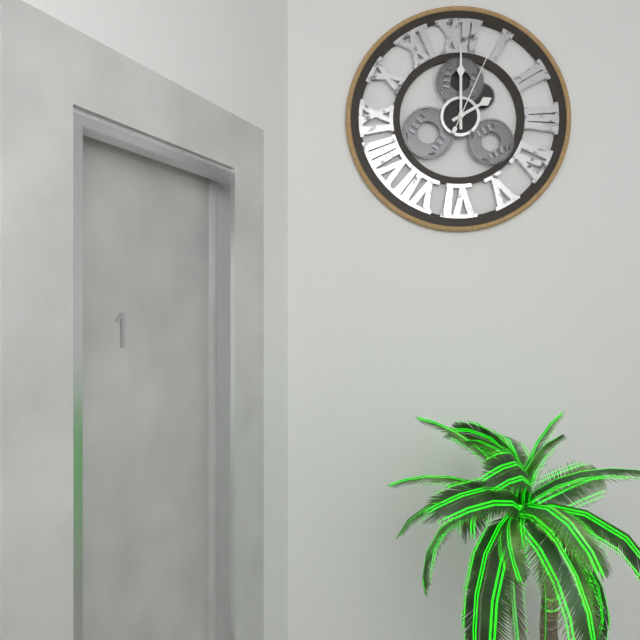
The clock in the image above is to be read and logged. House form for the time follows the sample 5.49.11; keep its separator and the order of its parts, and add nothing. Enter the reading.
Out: 2.00.04
